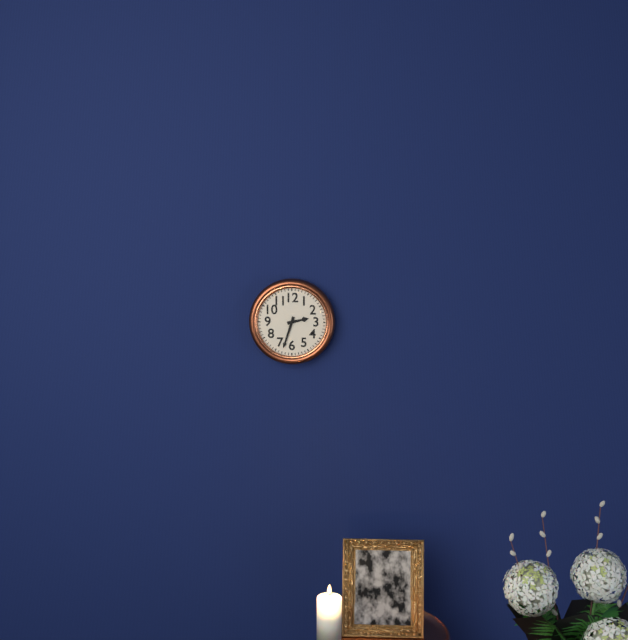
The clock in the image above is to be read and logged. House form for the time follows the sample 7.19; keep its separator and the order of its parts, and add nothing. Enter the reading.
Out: 2.33
